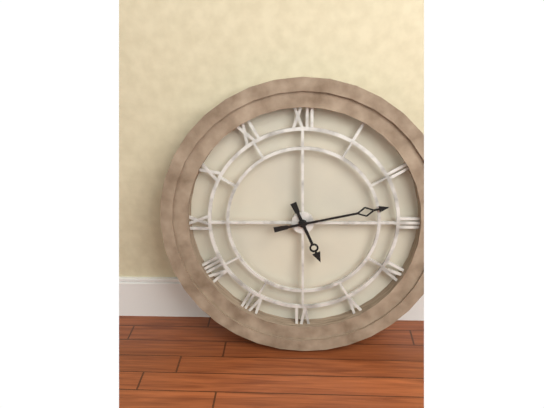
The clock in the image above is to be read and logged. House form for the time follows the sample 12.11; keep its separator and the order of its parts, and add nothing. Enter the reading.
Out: 5.13
